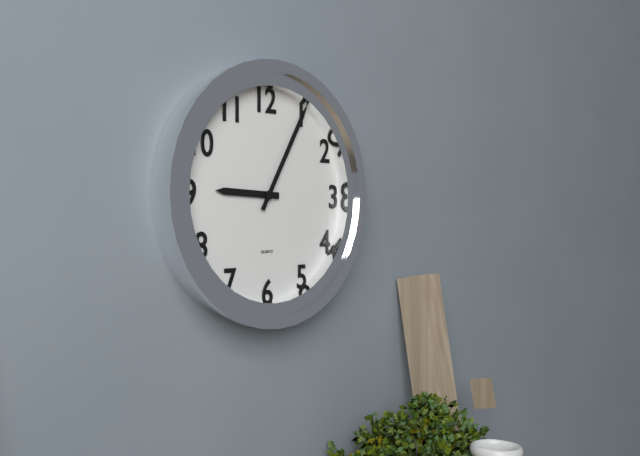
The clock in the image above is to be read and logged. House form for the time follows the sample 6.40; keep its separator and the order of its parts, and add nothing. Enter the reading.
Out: 9.05
